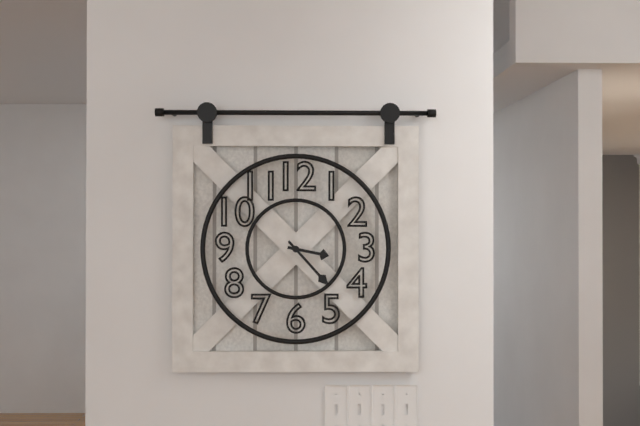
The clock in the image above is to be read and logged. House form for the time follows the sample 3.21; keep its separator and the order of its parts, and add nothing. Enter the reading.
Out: 3.23
